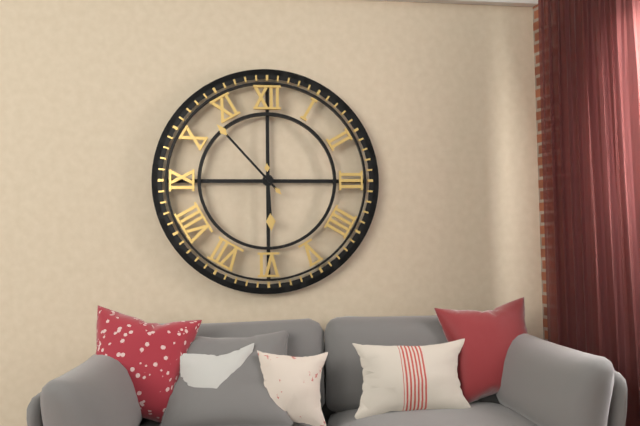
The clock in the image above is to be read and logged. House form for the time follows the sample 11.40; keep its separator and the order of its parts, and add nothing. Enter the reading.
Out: 5.53
